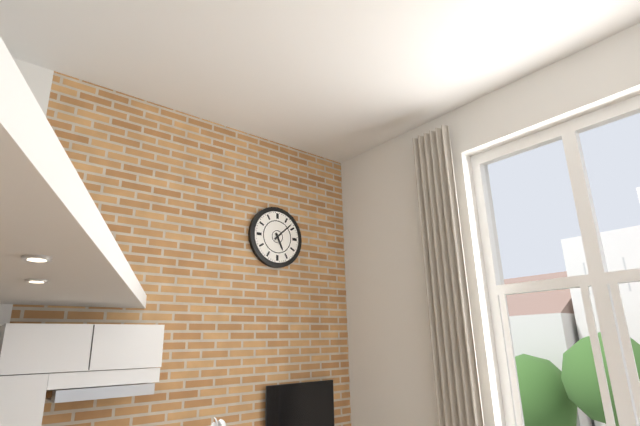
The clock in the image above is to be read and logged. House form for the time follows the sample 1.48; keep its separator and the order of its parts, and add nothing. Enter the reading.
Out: 5.08
